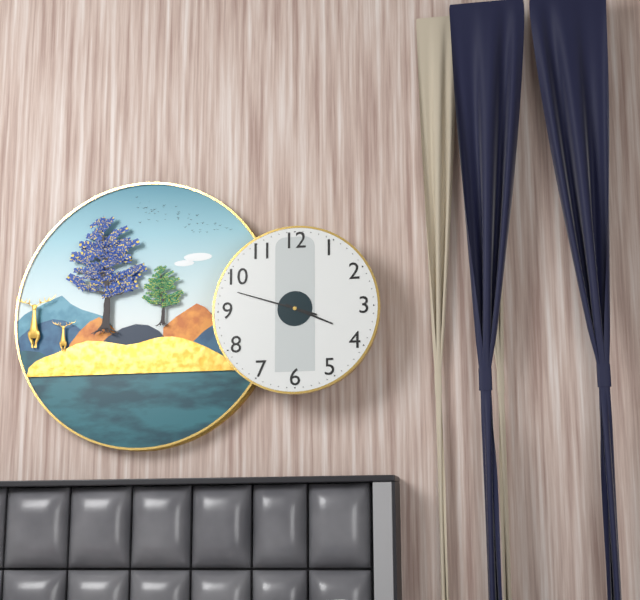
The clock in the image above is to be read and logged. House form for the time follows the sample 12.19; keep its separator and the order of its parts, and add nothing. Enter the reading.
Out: 3.48
